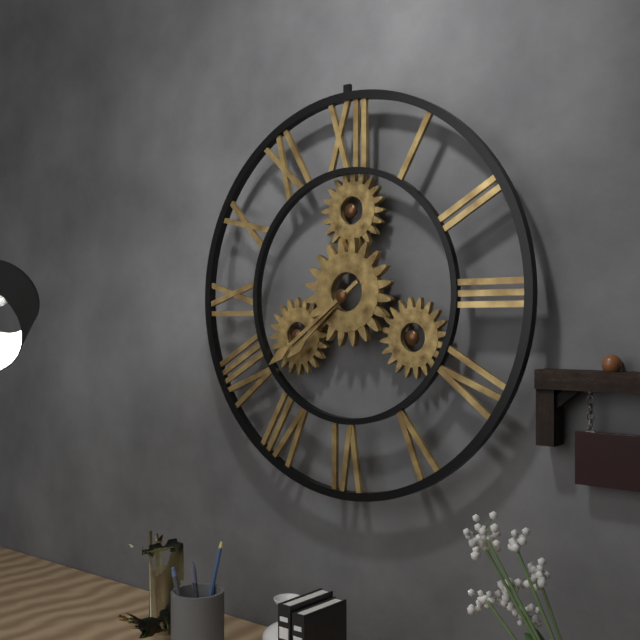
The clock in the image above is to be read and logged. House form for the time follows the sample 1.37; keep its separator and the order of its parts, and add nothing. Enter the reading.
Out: 7.39
